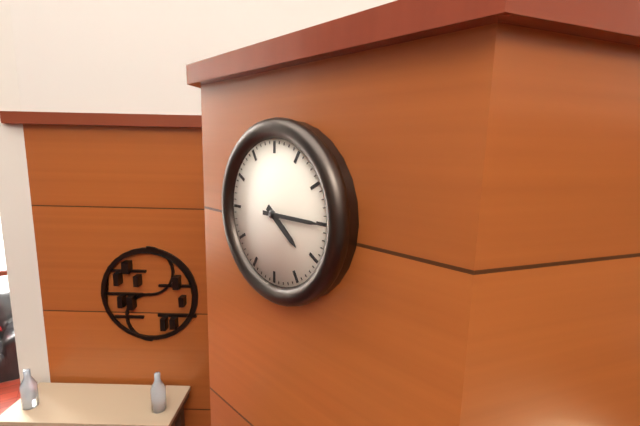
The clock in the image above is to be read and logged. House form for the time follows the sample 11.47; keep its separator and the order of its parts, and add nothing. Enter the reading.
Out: 4.15
